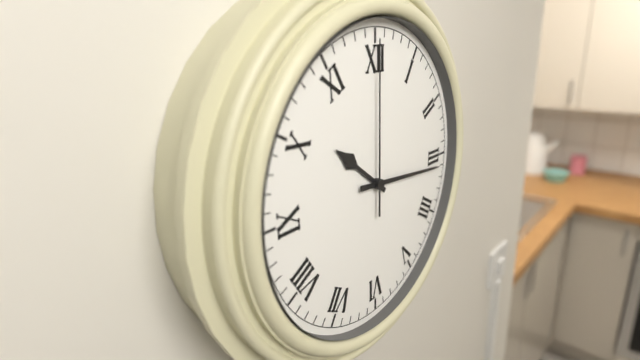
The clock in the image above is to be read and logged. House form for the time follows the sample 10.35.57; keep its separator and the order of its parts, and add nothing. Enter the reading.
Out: 10.16.00
